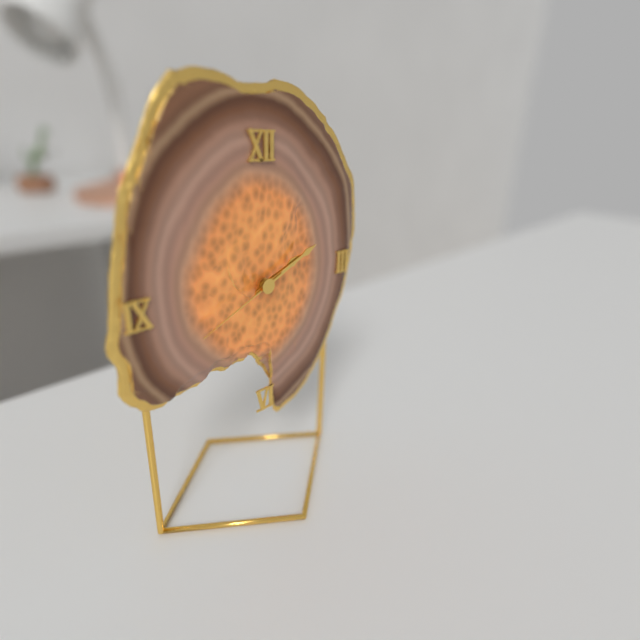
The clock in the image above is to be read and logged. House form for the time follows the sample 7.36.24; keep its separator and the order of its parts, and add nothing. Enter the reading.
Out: 2.11.41
